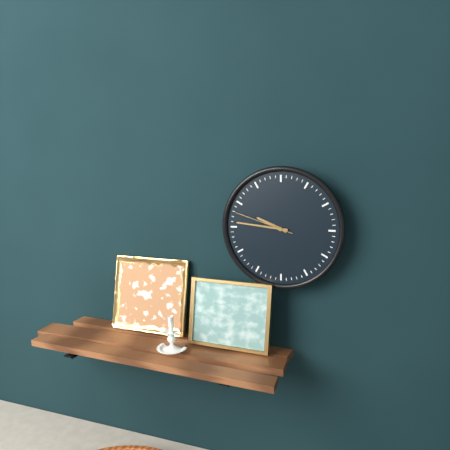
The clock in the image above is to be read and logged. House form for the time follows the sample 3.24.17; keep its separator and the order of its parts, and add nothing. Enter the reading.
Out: 9.46.48
